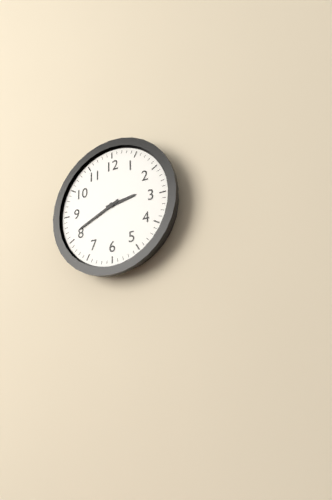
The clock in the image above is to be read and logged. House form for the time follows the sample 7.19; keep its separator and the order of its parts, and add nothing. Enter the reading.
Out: 2.41
